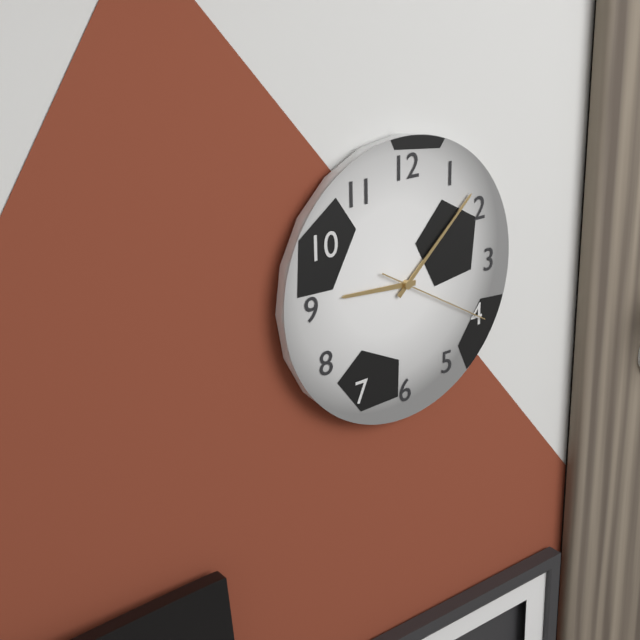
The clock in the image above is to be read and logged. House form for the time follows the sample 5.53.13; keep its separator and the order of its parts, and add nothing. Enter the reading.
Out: 9.08.20
